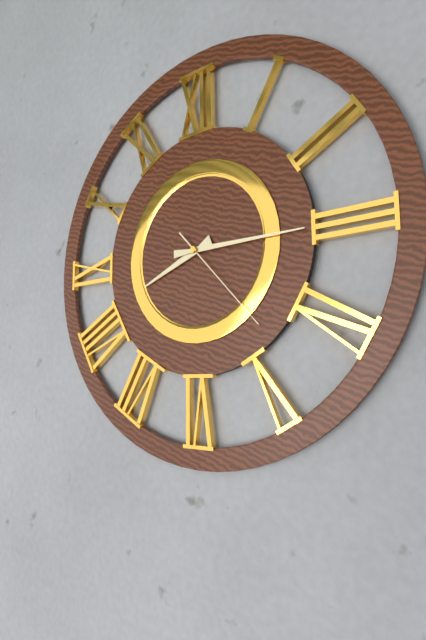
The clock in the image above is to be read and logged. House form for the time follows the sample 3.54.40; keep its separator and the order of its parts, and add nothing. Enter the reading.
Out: 8.15.23
